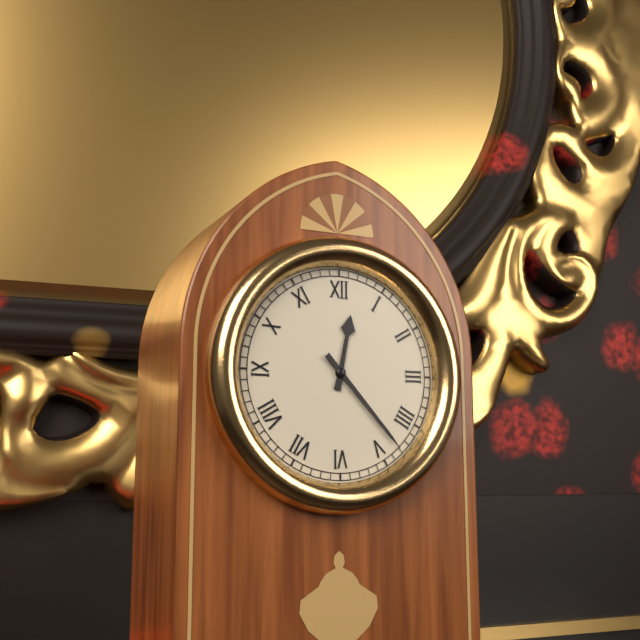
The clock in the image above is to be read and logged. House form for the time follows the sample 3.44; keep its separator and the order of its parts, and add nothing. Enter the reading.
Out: 12.23
